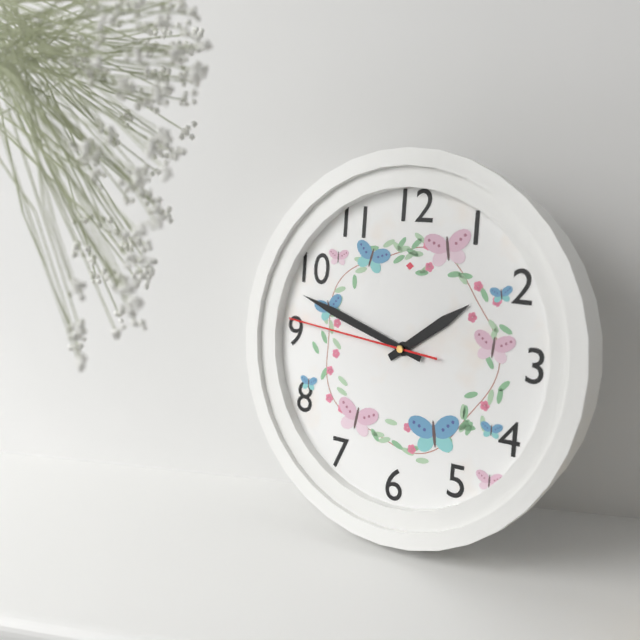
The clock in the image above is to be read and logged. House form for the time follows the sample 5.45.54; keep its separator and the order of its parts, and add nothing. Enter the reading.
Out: 1.48.46
